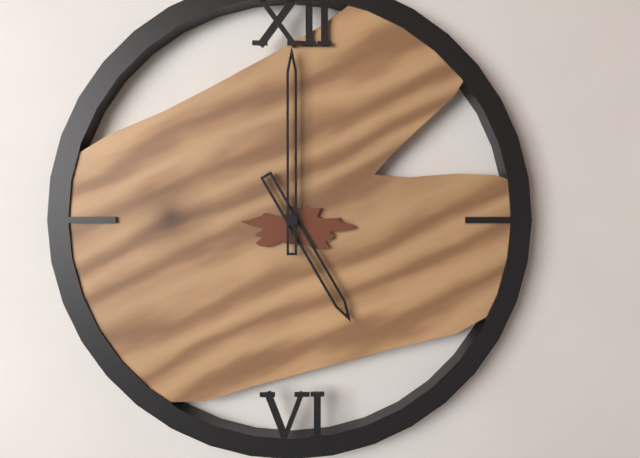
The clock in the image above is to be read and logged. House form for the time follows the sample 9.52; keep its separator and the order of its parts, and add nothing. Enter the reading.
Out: 5.00
